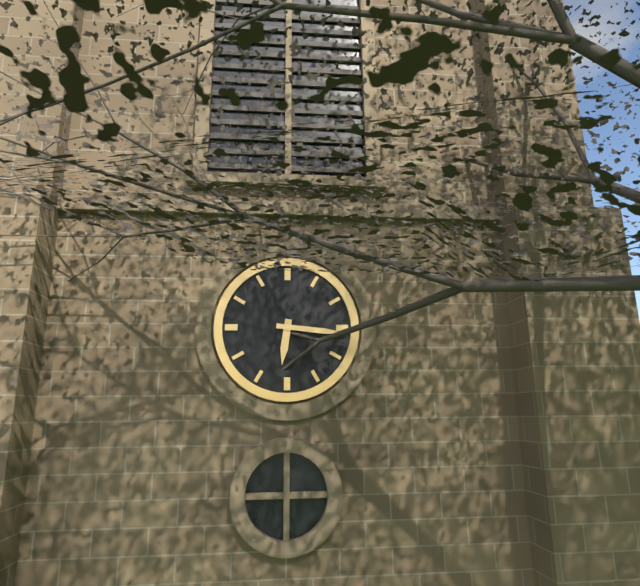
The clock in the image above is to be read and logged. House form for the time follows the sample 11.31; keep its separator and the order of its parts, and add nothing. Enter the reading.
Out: 6.16
